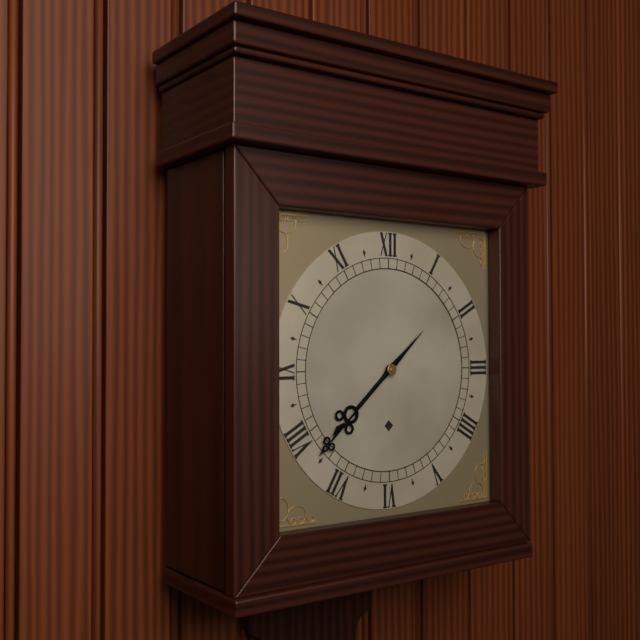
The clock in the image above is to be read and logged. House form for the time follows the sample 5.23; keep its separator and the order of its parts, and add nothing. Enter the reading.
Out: 7.38
